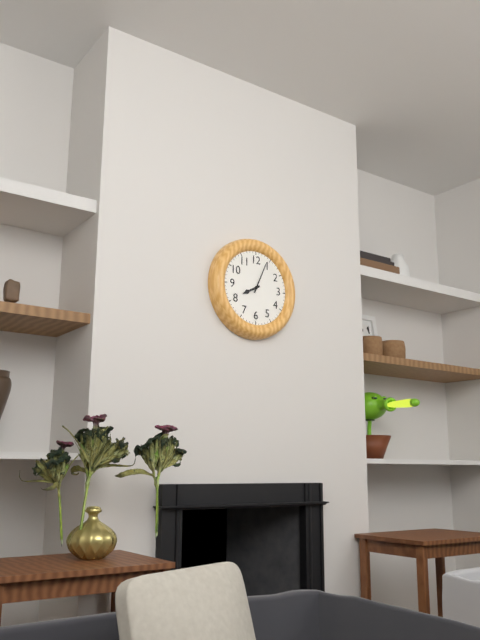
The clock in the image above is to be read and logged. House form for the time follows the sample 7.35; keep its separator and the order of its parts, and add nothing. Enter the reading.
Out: 8.04
